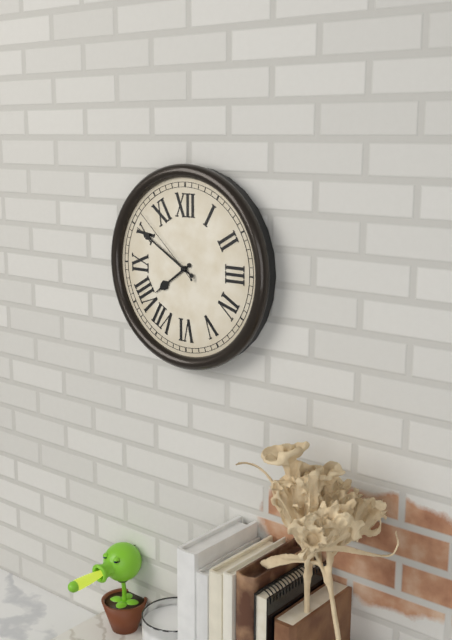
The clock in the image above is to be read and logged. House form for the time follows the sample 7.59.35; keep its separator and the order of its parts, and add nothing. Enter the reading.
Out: 7.50.52
